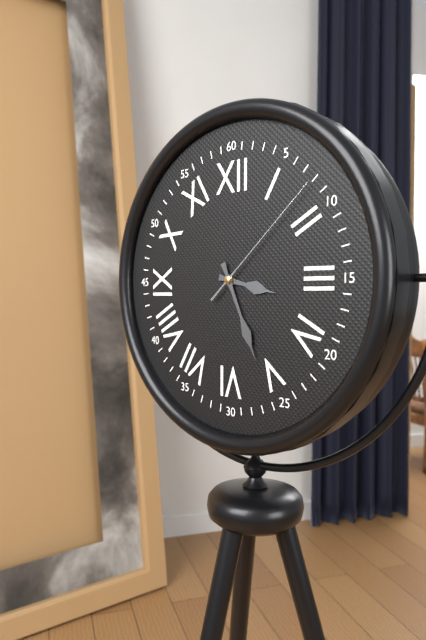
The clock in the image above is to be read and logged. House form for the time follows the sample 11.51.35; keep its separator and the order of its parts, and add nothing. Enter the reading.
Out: 3.26.08
